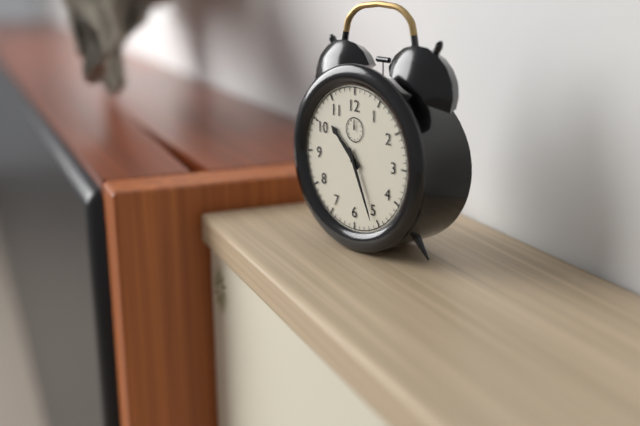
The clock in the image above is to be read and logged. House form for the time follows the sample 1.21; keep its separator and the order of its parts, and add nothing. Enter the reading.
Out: 10.26
